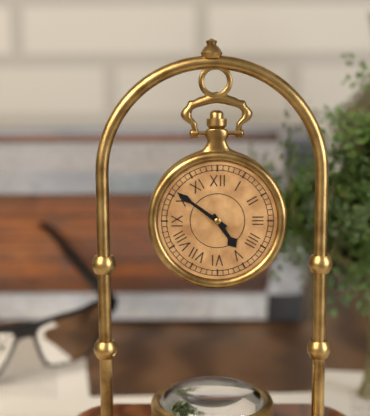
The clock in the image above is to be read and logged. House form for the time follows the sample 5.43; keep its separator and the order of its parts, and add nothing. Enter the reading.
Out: 4.51
